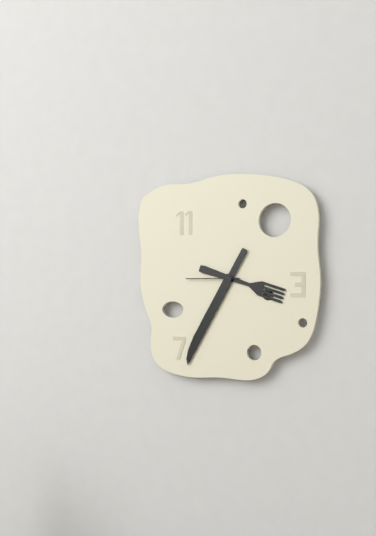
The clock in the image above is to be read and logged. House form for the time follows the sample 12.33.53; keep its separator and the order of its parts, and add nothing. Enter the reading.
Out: 3.35.45
